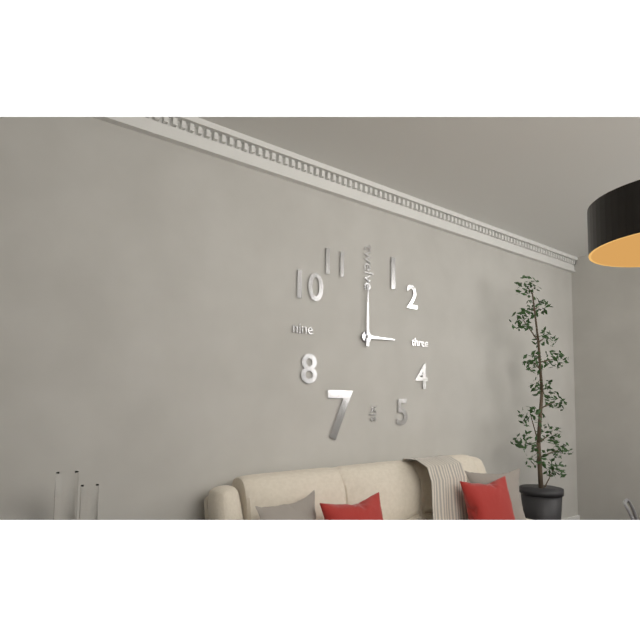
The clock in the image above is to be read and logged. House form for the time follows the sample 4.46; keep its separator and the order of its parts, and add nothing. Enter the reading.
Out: 3.00
